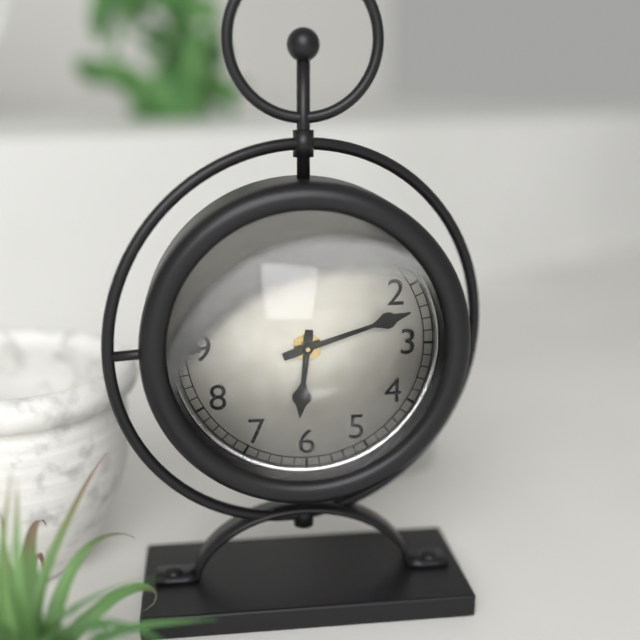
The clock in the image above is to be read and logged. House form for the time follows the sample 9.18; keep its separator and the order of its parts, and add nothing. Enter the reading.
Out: 6.12
